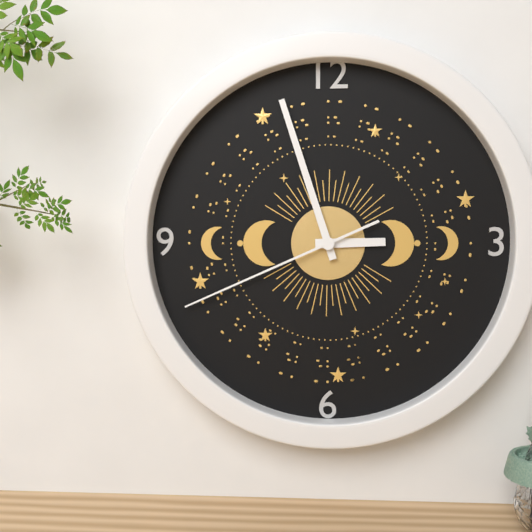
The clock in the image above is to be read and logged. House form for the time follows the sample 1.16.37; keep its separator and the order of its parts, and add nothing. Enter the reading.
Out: 2.57.41
